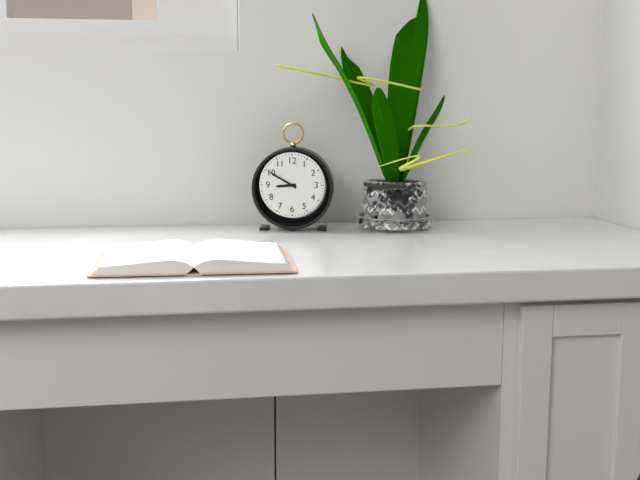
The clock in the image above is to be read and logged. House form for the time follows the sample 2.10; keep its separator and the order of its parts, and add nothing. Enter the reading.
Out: 8.50
